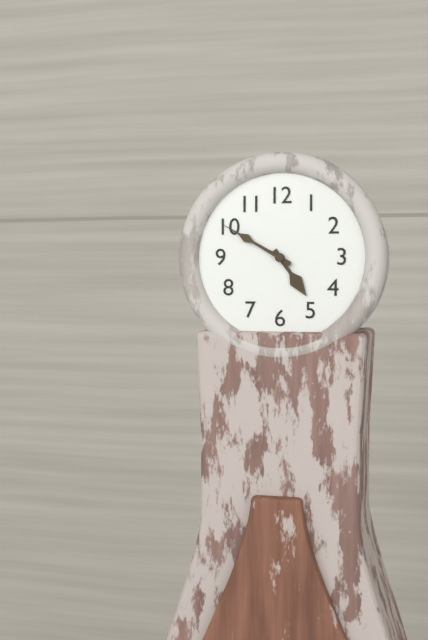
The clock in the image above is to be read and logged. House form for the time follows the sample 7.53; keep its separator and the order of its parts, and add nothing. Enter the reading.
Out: 4.50
